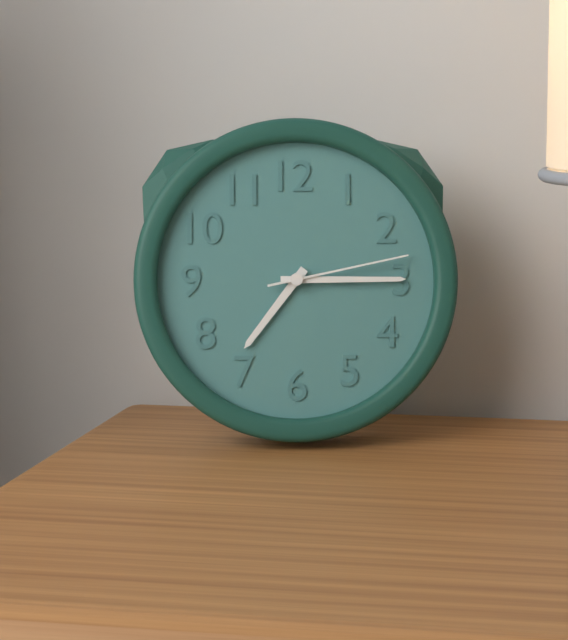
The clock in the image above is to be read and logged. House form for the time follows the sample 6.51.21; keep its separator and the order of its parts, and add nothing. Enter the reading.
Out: 7.15.13
